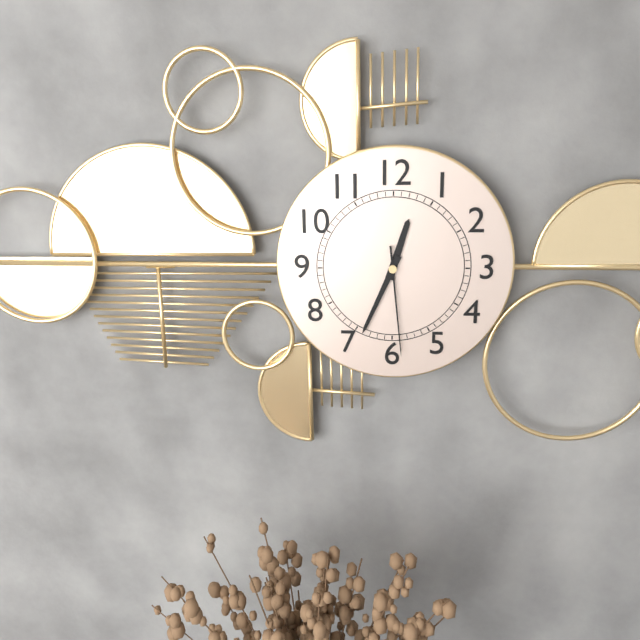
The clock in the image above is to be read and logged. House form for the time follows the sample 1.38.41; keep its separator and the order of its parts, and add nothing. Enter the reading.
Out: 12.34.29
